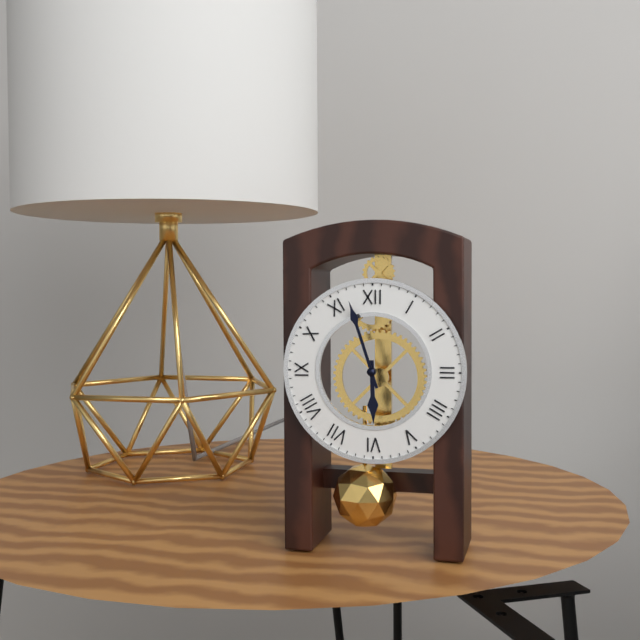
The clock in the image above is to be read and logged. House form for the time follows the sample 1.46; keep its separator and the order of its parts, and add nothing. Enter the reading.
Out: 5.57
